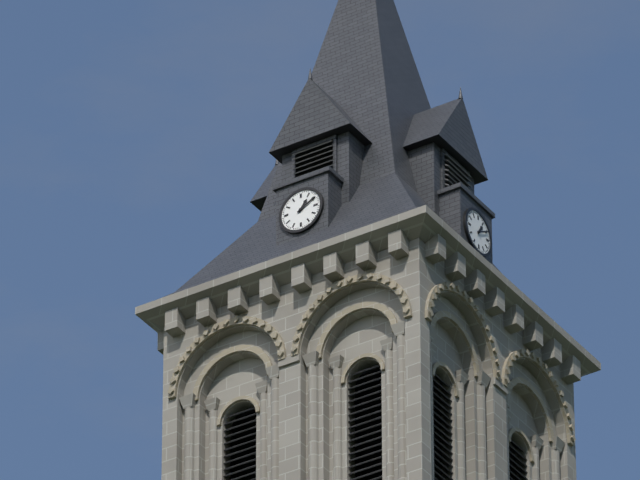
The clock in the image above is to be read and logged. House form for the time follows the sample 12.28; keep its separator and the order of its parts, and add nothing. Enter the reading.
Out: 1.10
